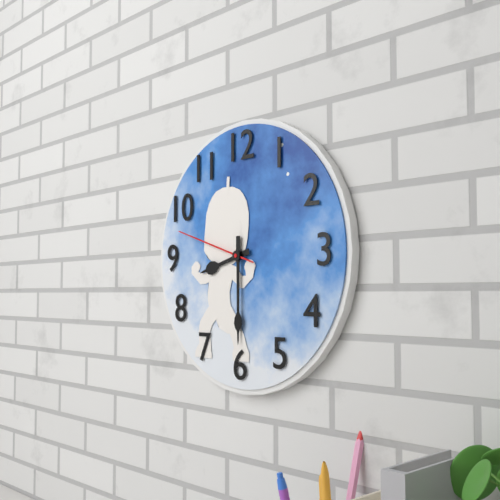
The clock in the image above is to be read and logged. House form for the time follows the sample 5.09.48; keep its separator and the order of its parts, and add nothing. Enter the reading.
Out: 8.30.48
